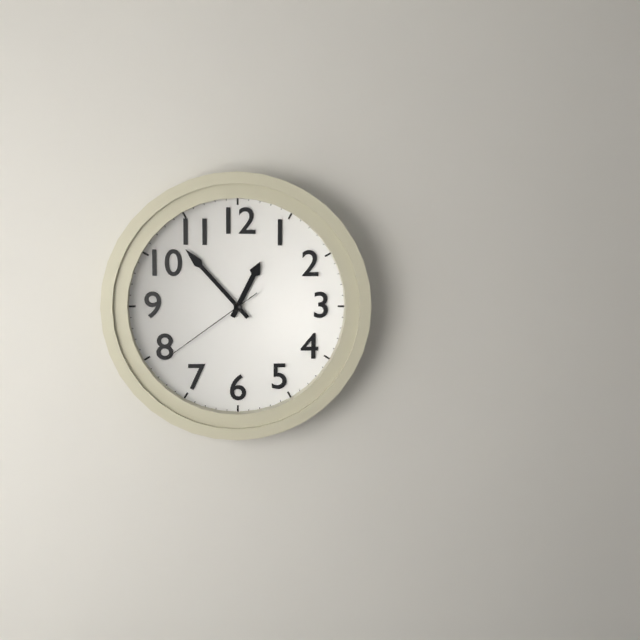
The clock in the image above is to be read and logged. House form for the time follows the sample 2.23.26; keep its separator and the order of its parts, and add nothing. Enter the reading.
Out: 12.53.39
